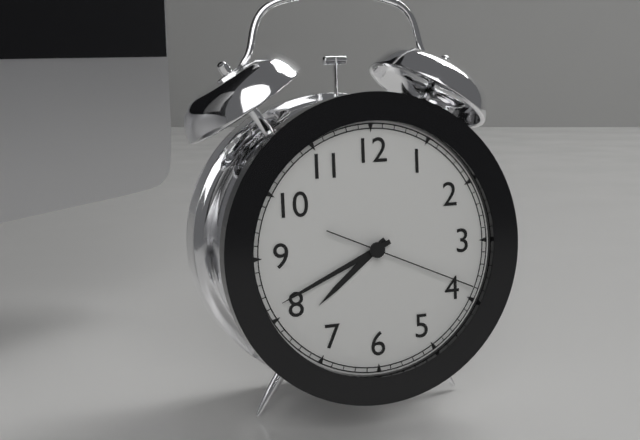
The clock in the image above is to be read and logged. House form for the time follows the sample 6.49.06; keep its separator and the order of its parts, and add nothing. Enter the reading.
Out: 7.41.19
